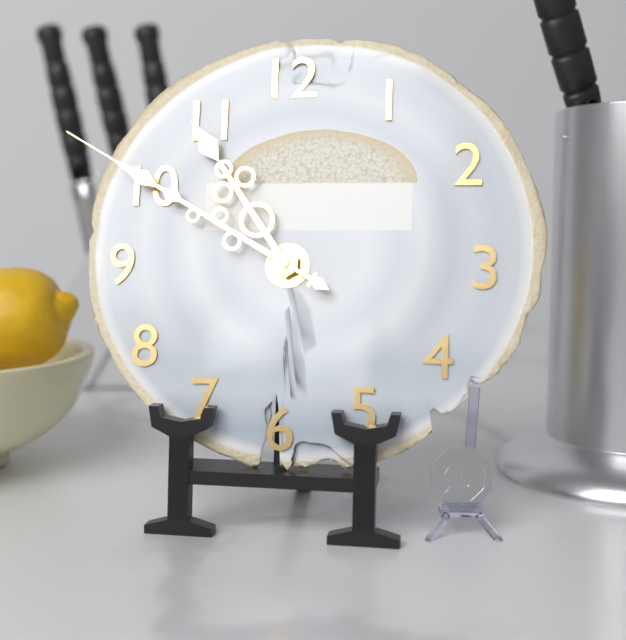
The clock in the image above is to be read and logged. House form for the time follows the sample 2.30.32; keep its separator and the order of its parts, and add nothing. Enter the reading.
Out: 10.50.50
